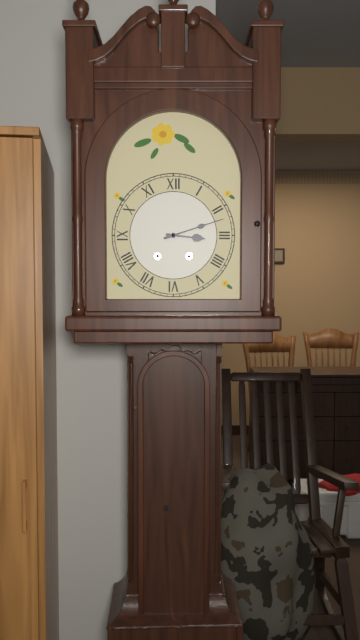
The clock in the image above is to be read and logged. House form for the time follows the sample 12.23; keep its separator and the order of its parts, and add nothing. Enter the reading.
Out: 3.12
